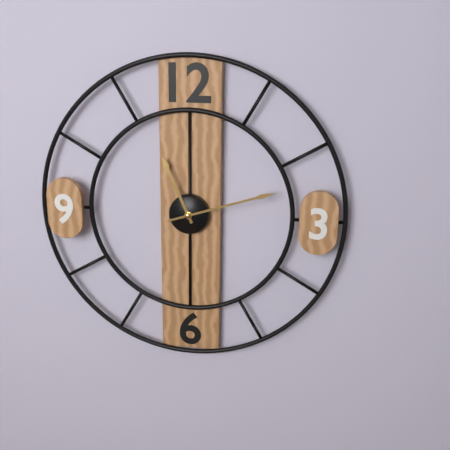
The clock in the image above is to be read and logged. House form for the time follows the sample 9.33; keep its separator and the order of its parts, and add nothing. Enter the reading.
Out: 11.12
